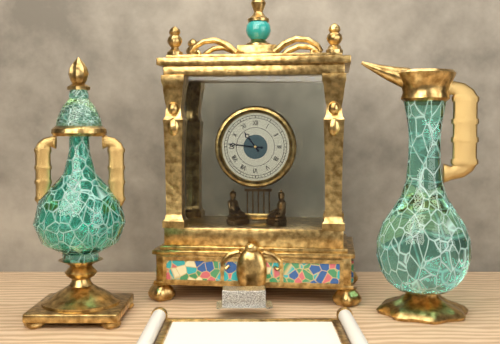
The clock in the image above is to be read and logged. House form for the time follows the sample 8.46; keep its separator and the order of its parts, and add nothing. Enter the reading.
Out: 10.46
